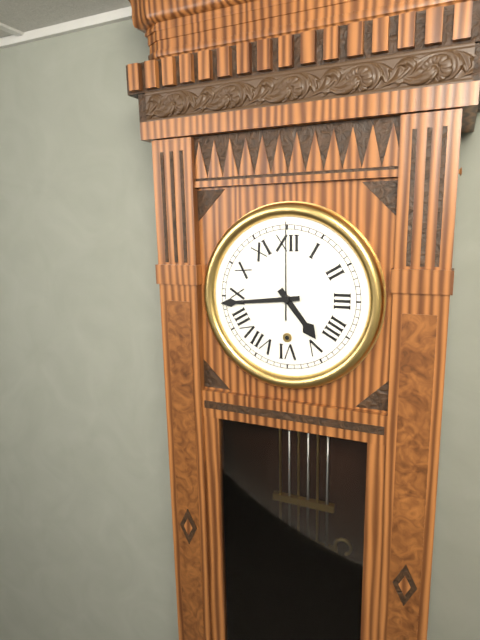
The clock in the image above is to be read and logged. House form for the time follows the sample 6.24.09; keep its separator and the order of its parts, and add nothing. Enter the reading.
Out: 4.44.00
